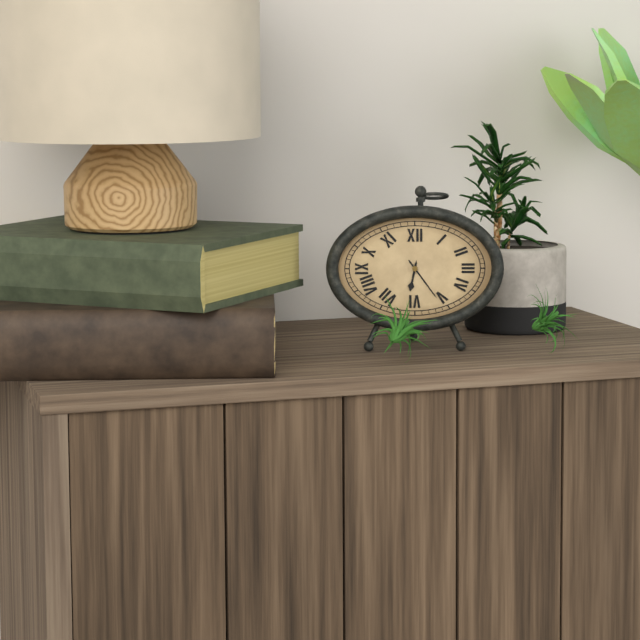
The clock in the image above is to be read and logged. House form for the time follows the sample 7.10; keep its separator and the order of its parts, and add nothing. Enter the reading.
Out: 6.24
